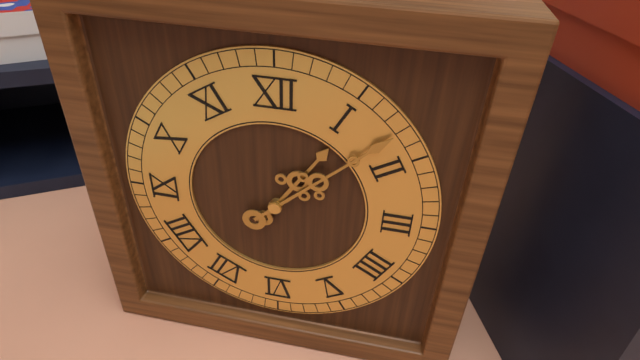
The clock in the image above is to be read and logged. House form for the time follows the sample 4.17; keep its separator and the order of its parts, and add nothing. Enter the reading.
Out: 1.08
